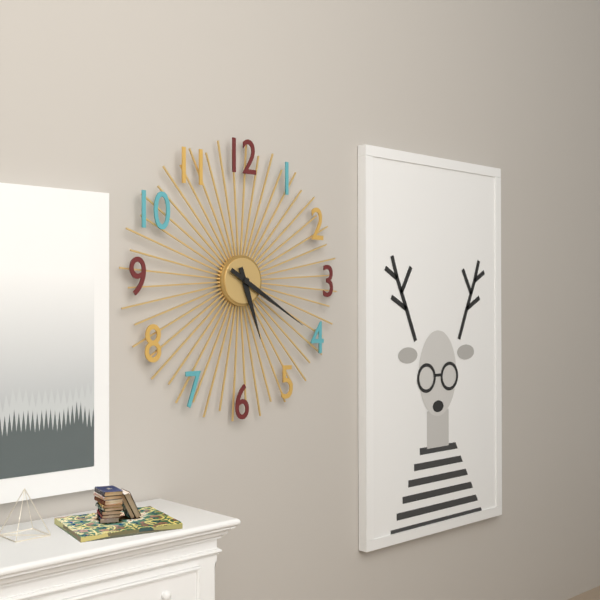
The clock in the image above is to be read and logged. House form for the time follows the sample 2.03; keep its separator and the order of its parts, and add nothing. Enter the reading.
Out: 5.20
